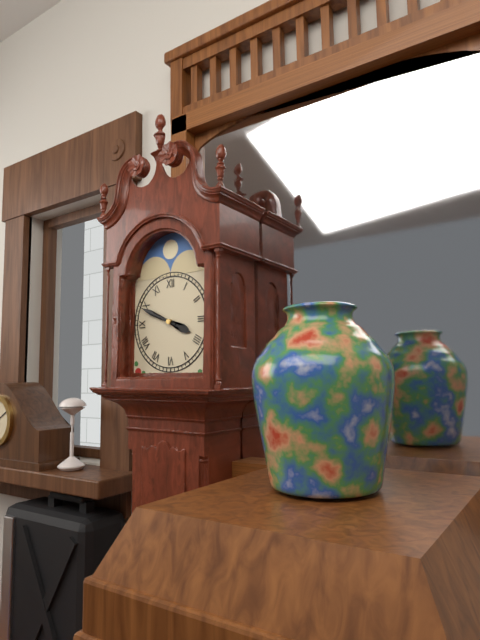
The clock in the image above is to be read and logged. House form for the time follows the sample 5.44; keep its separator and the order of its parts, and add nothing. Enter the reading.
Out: 3.49
